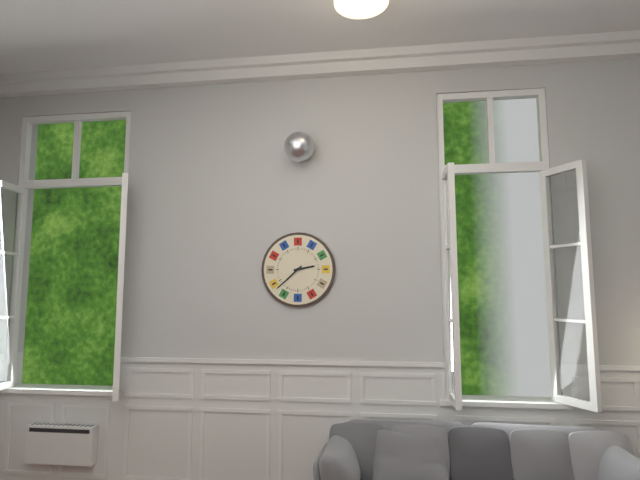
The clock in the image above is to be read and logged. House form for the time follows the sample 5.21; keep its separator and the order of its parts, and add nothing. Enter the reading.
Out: 2.38
